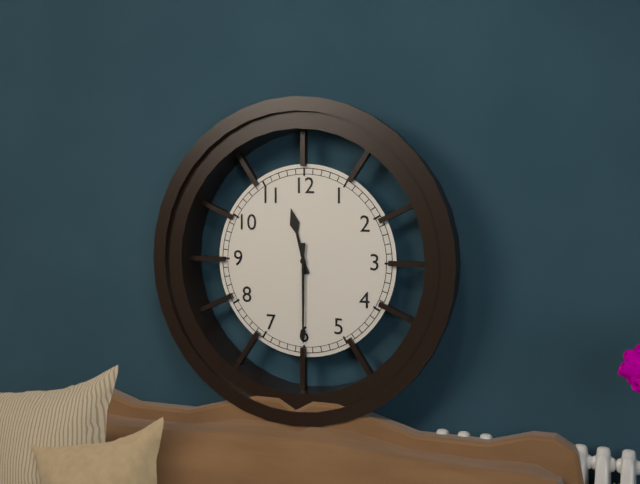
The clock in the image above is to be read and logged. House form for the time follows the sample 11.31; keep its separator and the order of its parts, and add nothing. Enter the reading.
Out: 11.30
